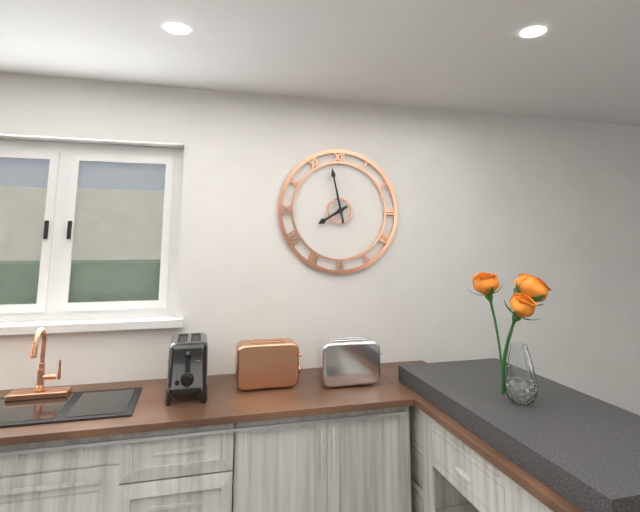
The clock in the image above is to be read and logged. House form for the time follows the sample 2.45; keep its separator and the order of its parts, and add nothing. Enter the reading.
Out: 7.58
